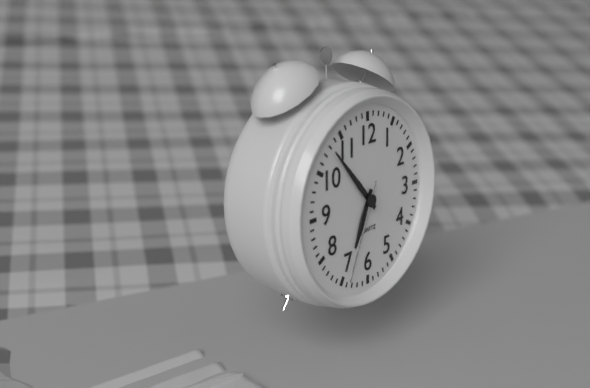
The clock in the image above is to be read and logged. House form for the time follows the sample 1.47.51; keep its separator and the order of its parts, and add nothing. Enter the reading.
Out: 6.53.34
